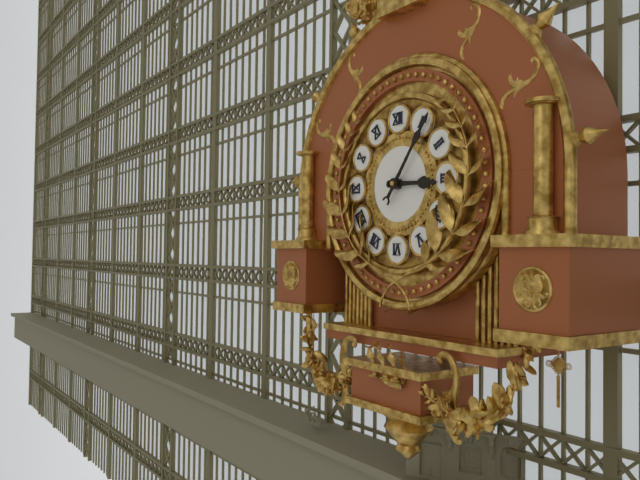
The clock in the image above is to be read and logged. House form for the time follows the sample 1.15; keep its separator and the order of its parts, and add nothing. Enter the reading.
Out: 3.06
